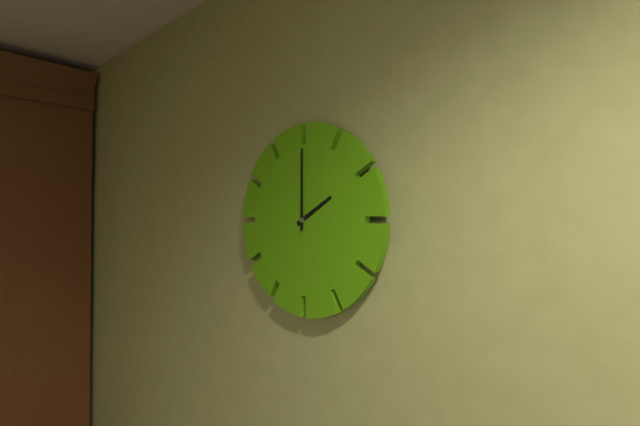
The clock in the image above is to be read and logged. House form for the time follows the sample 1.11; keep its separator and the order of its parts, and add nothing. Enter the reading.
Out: 2.00
